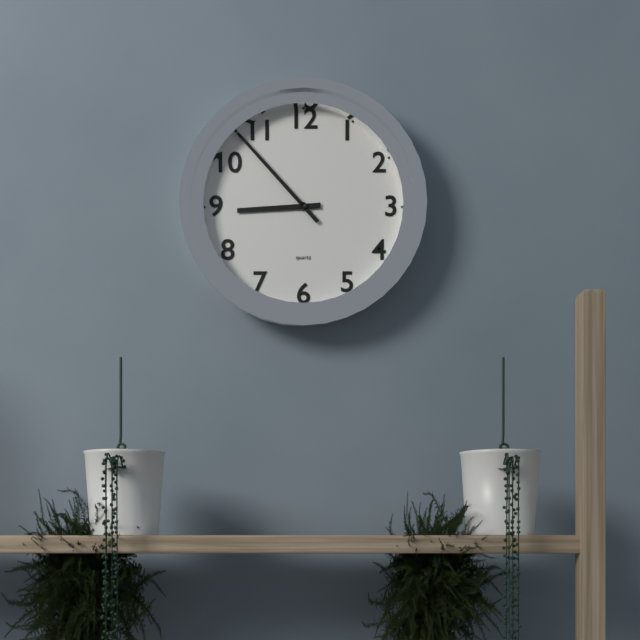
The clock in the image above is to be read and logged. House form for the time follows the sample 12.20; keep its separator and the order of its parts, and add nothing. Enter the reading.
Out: 8.53
